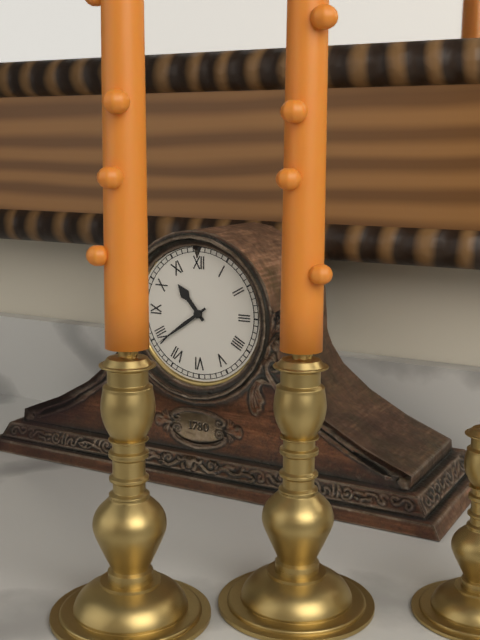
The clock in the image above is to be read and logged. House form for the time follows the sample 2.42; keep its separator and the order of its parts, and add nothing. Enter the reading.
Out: 10.39
